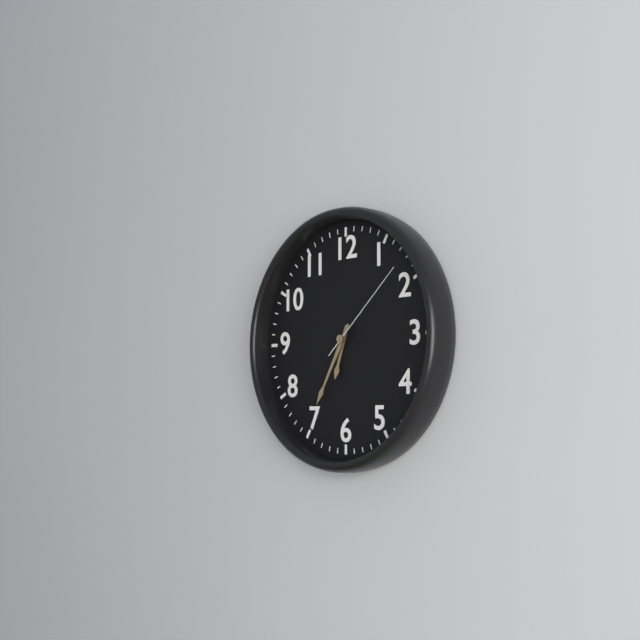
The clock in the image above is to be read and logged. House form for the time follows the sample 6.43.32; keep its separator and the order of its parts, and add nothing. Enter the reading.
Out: 6.35.08
